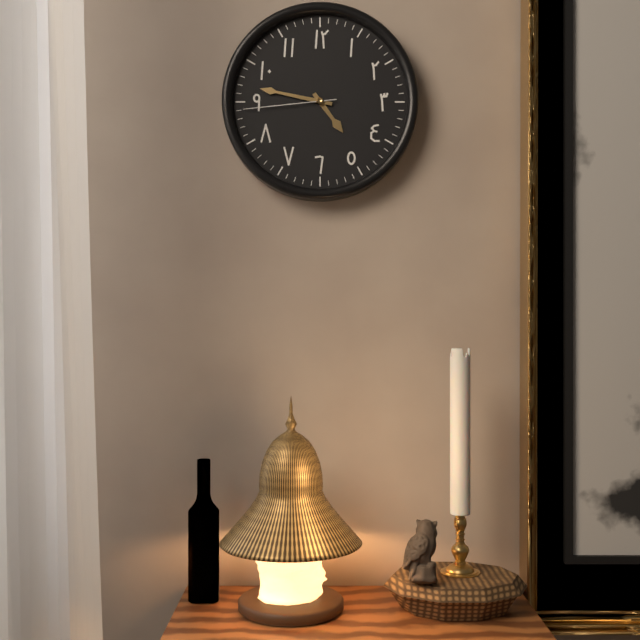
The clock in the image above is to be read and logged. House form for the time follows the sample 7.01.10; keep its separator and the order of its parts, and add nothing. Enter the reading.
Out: 4.47.44
